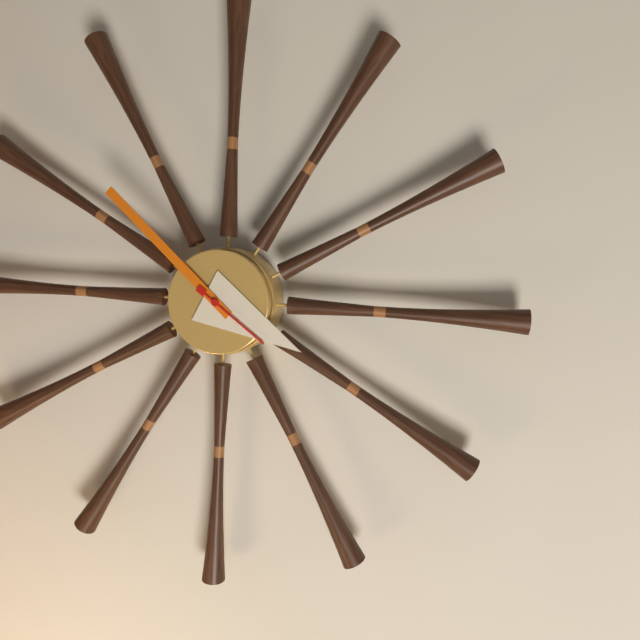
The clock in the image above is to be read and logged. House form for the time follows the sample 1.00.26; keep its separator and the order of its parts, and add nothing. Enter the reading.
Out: 3.52.21
